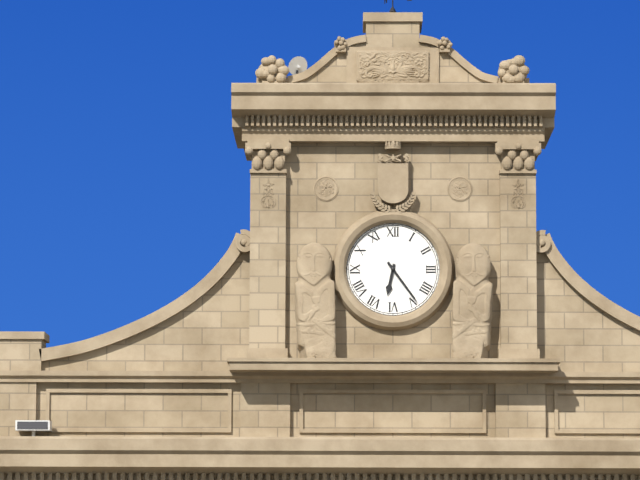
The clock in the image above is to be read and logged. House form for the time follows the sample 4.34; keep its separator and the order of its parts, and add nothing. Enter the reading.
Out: 6.24
